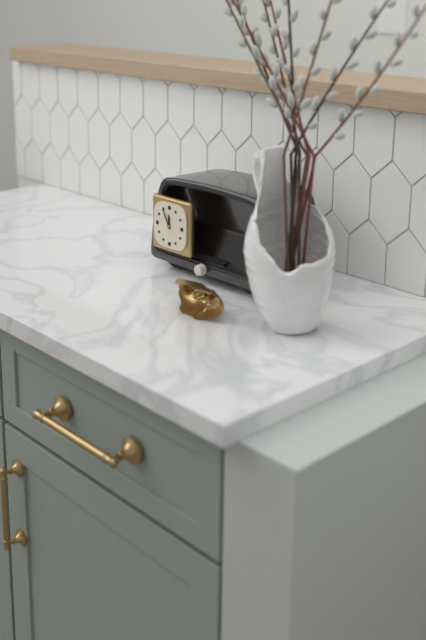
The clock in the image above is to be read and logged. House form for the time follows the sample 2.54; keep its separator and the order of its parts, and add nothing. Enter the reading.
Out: 11.55
